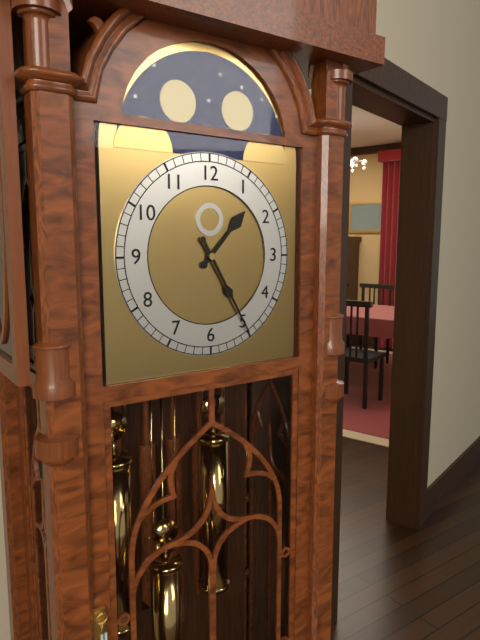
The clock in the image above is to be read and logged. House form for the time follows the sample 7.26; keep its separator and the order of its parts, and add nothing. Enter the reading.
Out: 1.25
